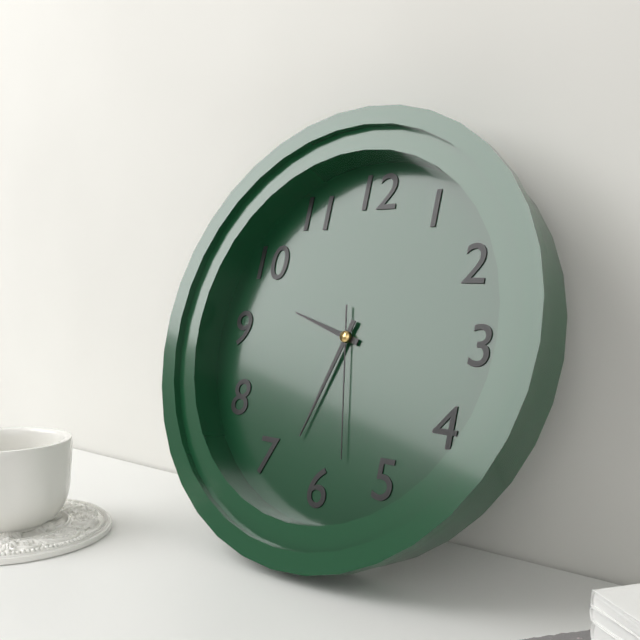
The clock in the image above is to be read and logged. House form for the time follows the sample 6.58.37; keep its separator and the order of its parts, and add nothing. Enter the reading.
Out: 9.33.28
